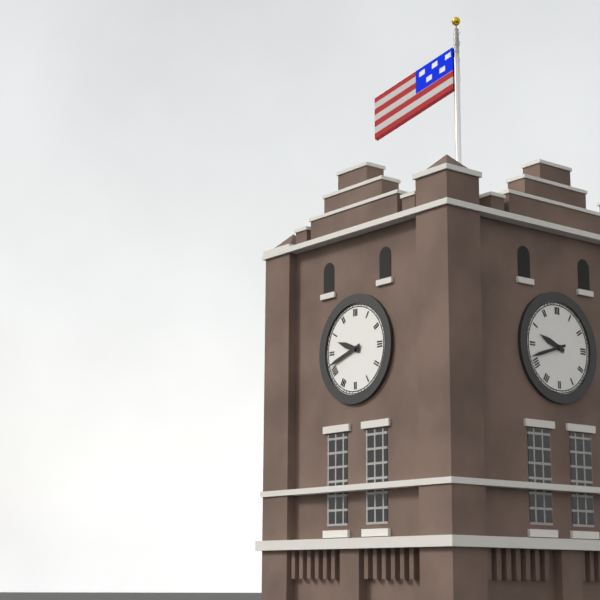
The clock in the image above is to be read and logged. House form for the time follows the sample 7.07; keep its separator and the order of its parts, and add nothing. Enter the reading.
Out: 9.42
